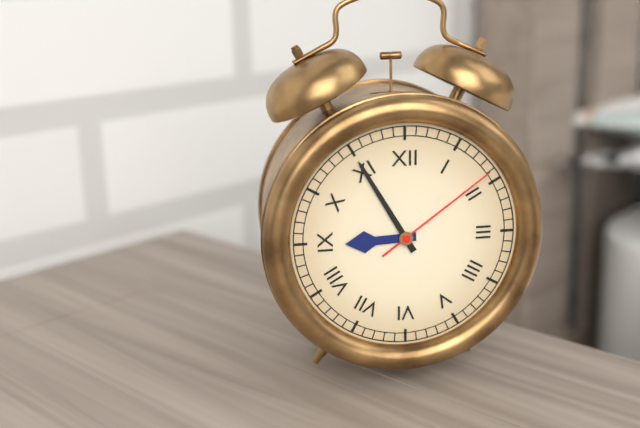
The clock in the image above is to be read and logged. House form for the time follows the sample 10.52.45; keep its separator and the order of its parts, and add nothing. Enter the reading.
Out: 8.55.09
